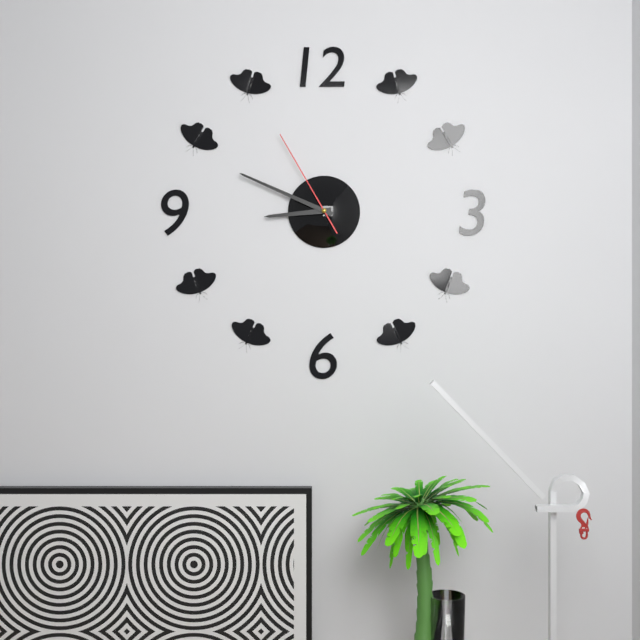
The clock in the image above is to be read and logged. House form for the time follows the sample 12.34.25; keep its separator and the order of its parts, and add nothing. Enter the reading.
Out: 8.49.55
